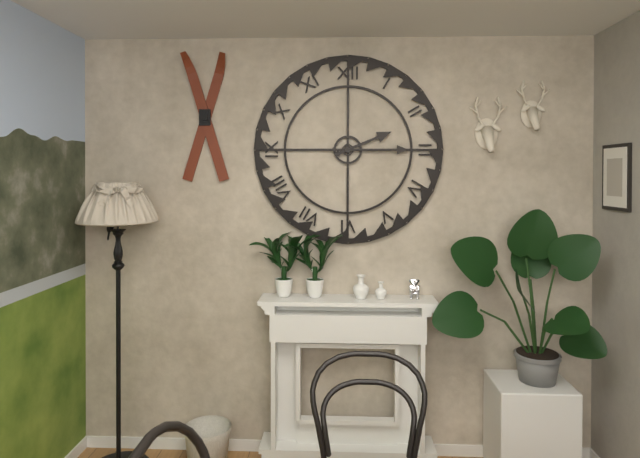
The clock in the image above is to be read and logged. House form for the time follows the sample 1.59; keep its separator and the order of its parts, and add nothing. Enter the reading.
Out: 2.15
